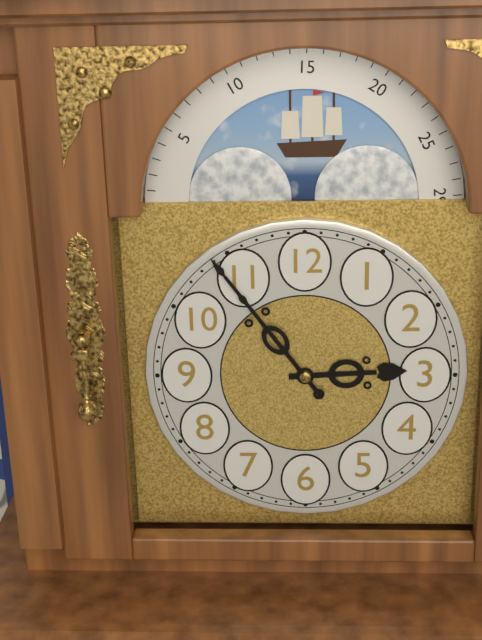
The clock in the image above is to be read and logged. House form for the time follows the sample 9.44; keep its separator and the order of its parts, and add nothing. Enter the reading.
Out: 2.54
